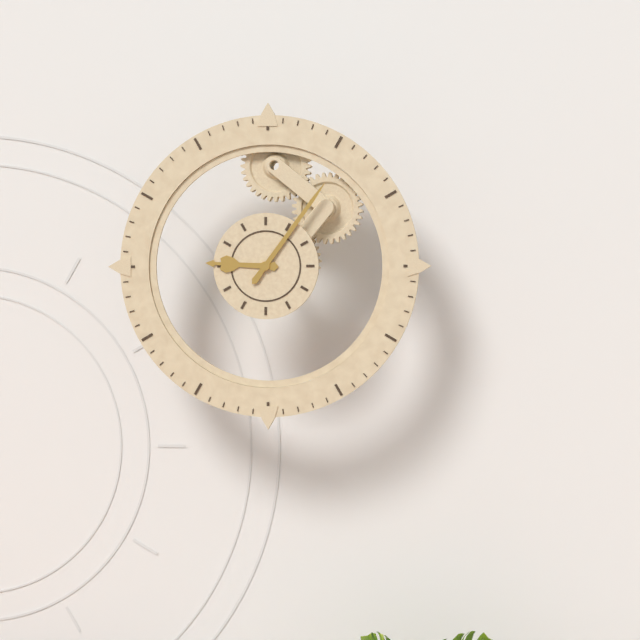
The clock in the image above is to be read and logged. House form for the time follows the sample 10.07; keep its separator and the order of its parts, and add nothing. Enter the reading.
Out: 9.06
